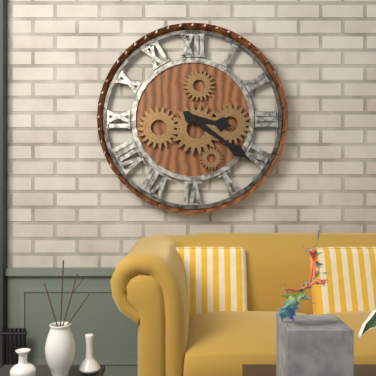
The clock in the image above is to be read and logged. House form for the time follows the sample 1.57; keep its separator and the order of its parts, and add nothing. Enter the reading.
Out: 3.21
